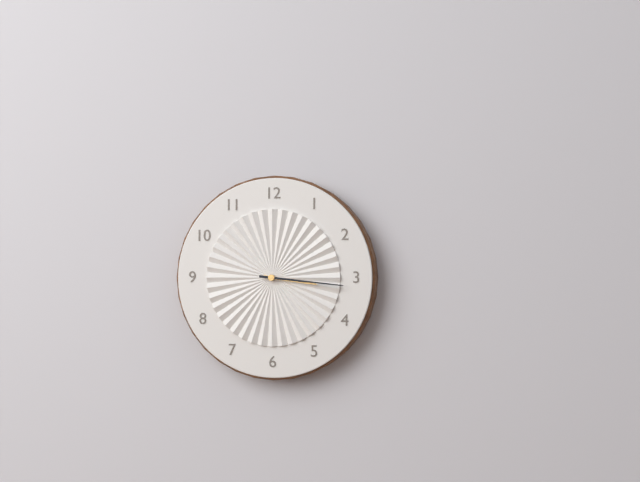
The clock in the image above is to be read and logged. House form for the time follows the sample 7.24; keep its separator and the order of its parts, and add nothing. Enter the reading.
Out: 3.16
